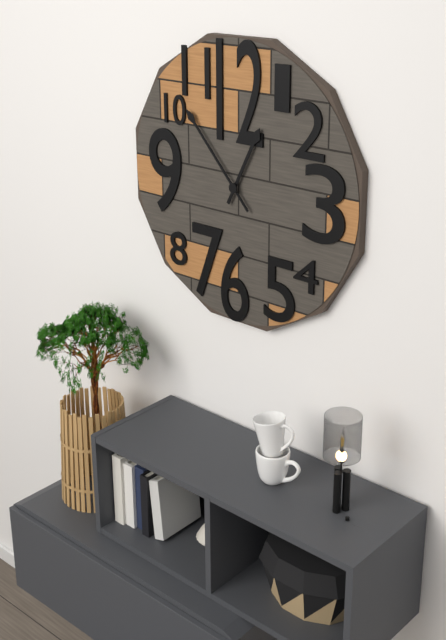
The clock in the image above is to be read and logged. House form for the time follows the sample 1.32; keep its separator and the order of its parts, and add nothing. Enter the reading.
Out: 12.53
